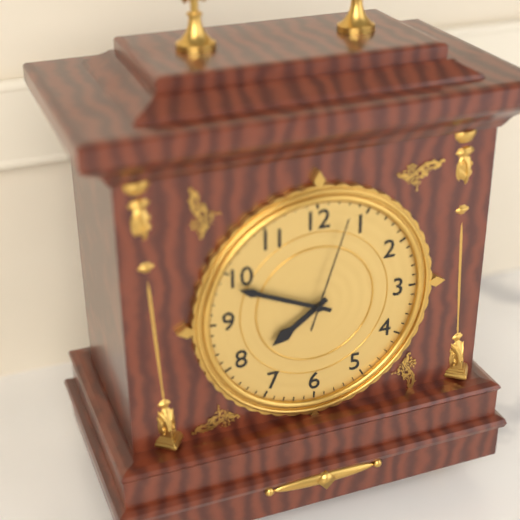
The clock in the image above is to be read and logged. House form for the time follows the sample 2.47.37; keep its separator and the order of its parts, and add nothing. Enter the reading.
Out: 7.49.03
